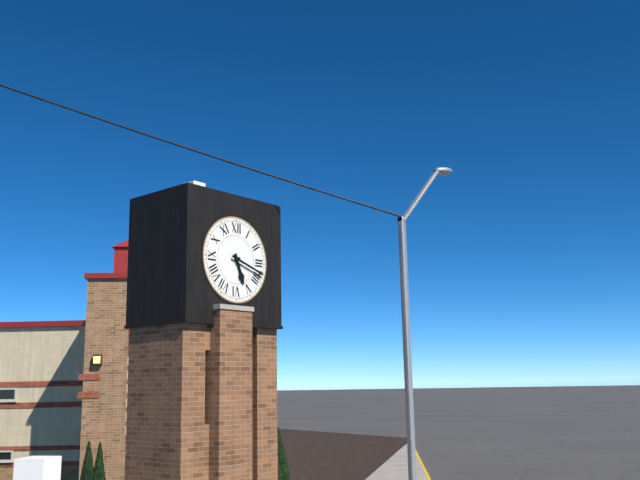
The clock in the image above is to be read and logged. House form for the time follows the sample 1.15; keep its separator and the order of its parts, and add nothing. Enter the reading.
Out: 5.18
